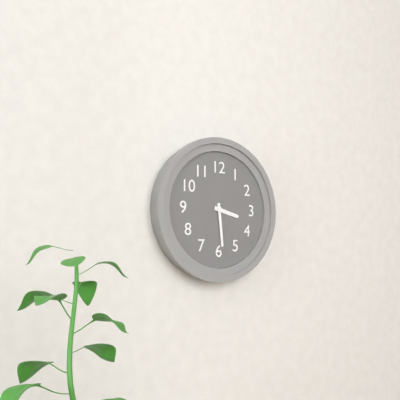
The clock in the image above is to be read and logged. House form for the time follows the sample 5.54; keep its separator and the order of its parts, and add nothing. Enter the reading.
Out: 3.29
